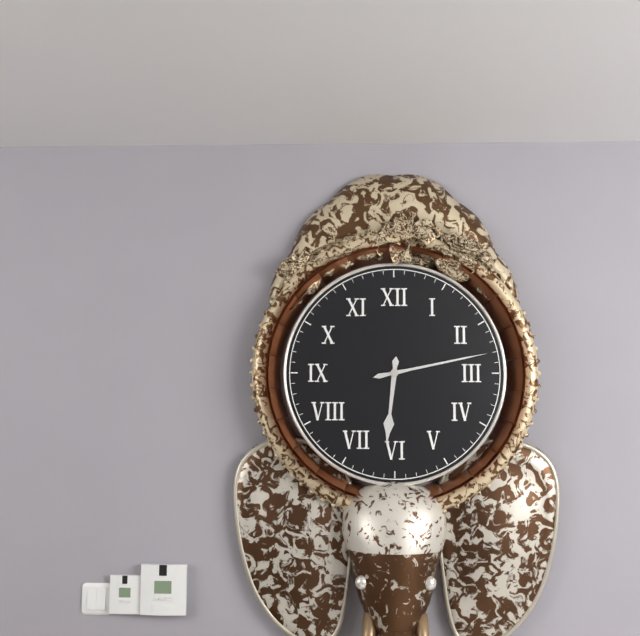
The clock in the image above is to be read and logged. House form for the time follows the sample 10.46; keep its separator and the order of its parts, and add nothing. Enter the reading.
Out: 6.13
